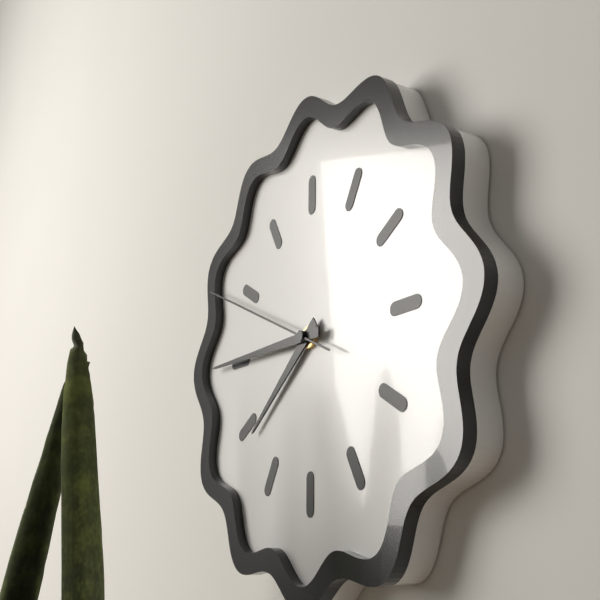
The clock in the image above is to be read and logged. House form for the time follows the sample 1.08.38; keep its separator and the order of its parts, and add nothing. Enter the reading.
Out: 7.45.49
